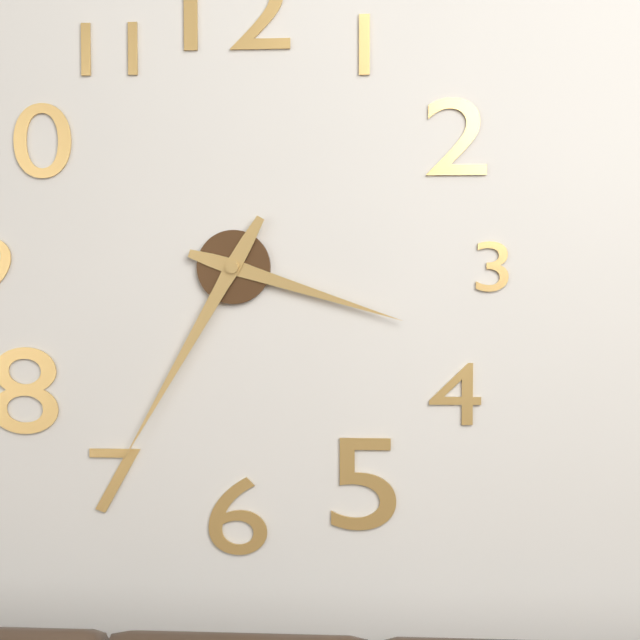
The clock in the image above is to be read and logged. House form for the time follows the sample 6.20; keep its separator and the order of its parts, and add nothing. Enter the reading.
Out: 3.35
